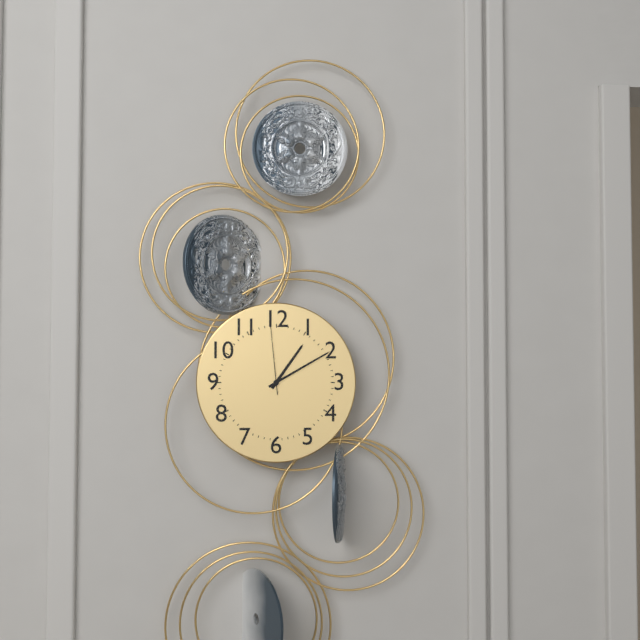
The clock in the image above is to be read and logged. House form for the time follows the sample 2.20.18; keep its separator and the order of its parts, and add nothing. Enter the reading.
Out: 1.10.59
